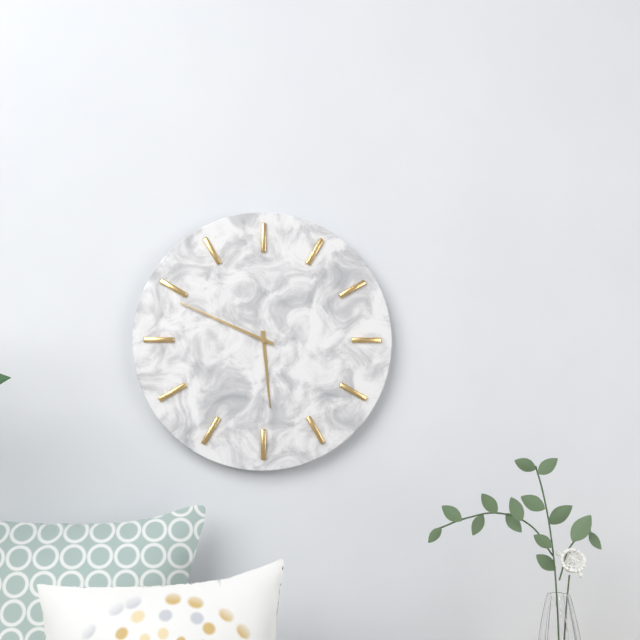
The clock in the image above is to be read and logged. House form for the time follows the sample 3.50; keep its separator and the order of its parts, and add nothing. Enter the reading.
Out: 5.49
